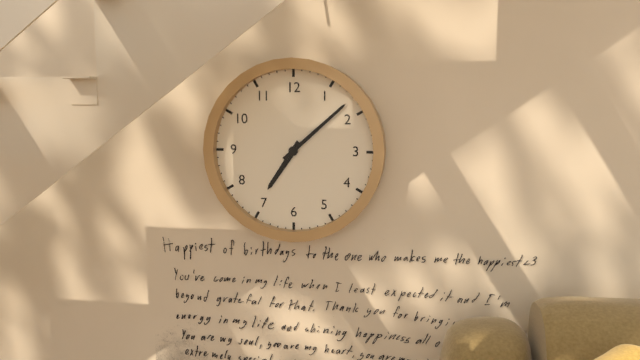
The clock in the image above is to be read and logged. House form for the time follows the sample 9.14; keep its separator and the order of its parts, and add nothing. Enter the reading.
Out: 7.08
